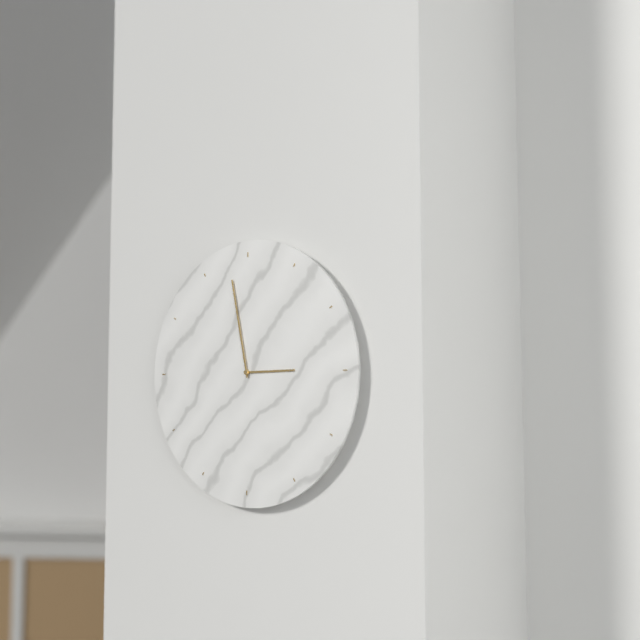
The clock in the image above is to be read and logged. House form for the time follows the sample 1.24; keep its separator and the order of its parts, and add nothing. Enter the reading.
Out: 2.58
